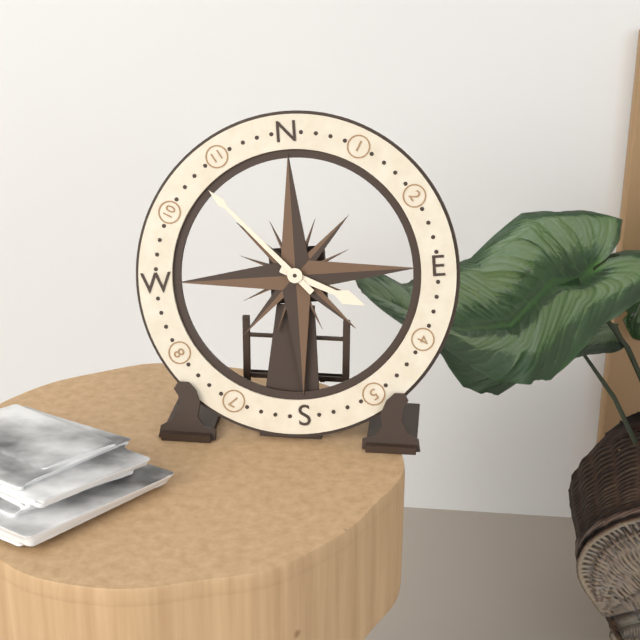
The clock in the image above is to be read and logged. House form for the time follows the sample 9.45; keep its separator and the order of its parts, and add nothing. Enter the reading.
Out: 3.53
